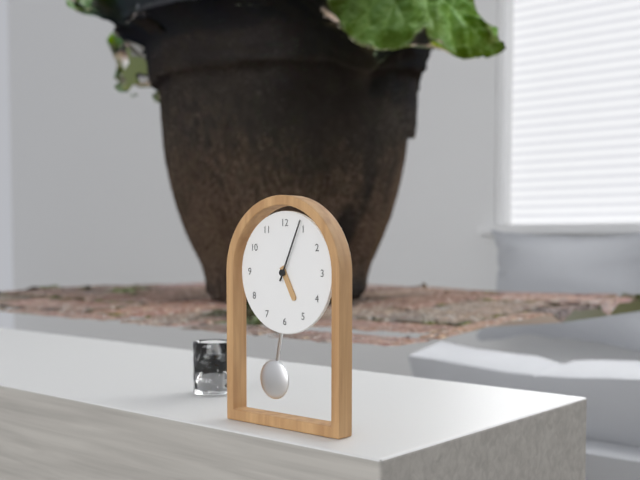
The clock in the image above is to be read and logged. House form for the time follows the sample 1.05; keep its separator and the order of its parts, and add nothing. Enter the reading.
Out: 5.04
